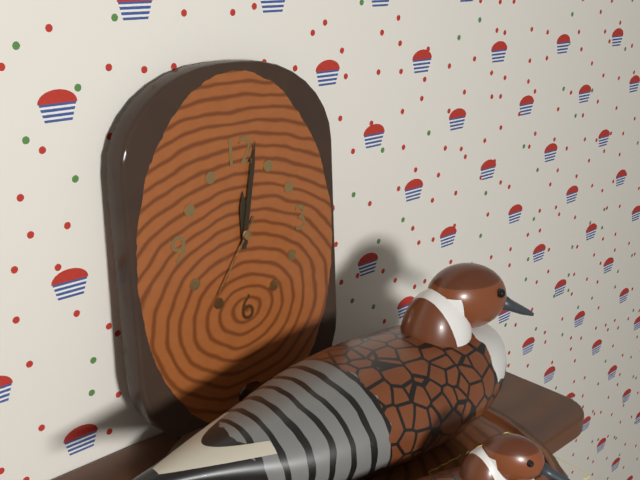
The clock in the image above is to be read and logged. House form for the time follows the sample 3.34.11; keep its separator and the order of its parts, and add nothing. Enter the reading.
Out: 12.02.36
